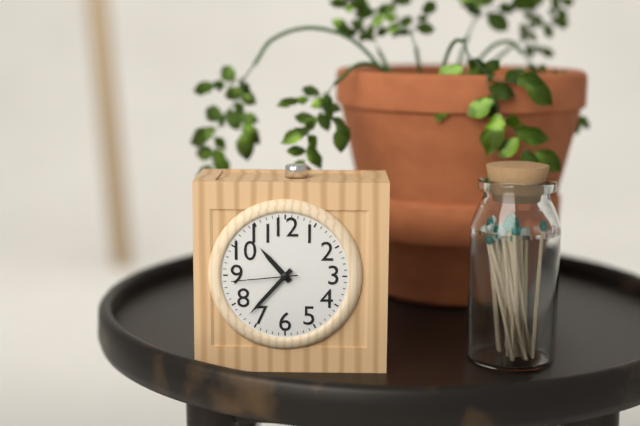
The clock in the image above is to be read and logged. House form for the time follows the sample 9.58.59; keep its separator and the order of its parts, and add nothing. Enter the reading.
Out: 10.37.44
